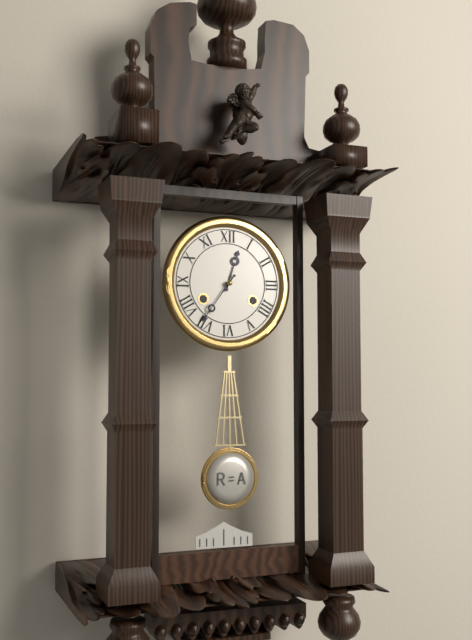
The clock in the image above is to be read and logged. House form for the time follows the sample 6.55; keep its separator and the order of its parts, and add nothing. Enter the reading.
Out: 12.36
